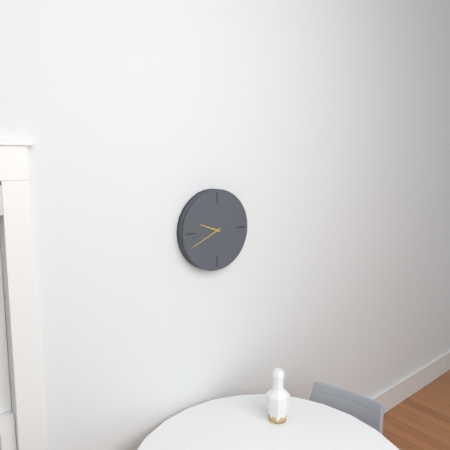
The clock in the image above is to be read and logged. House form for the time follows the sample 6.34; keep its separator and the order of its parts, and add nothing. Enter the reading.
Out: 9.41
